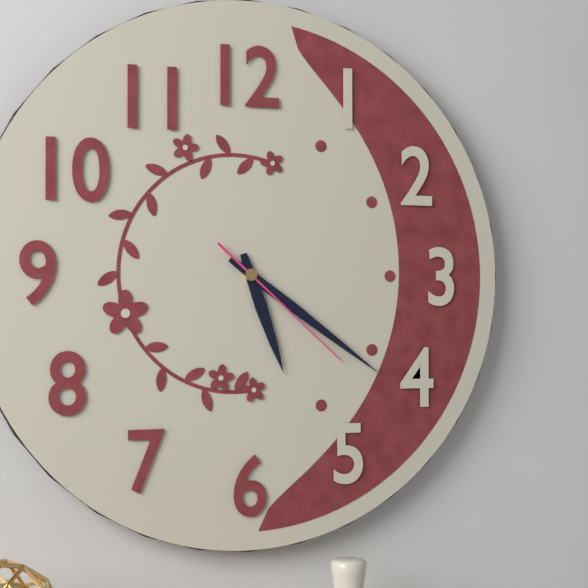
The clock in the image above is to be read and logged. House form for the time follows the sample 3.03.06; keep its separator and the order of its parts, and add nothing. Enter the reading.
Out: 5.21.22
